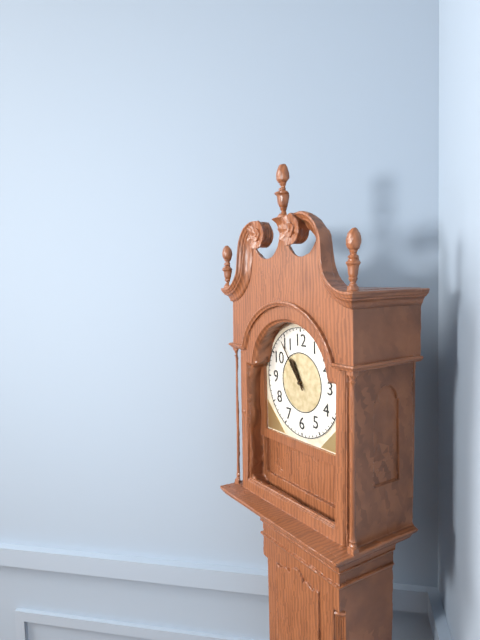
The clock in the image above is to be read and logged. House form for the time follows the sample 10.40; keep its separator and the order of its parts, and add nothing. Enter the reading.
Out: 10.54
